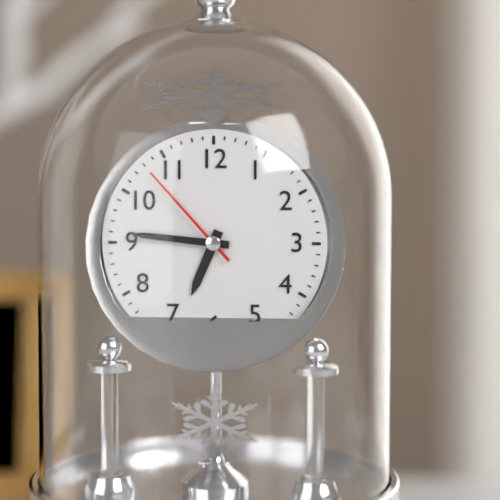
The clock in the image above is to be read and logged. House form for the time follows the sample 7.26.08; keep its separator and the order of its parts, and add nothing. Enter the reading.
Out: 6.46.53
